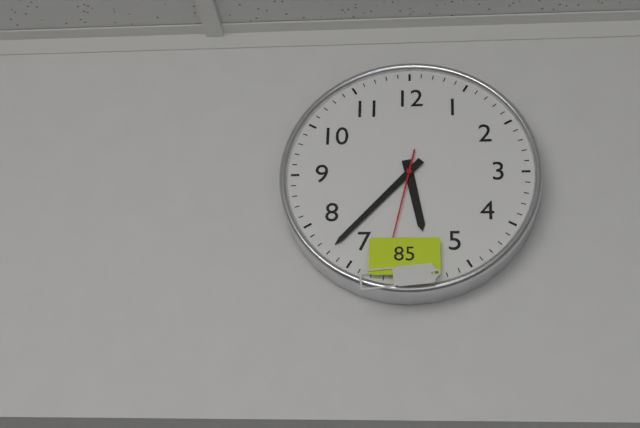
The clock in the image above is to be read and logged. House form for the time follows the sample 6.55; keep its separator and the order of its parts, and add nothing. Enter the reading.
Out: 5.37
